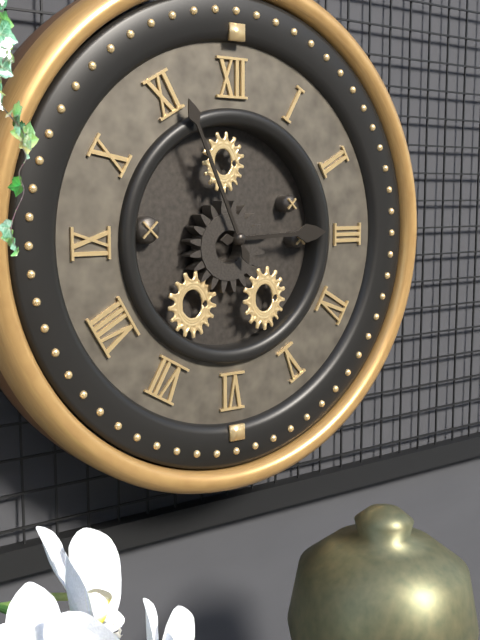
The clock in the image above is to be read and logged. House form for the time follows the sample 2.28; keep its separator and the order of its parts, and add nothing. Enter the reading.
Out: 2.56
